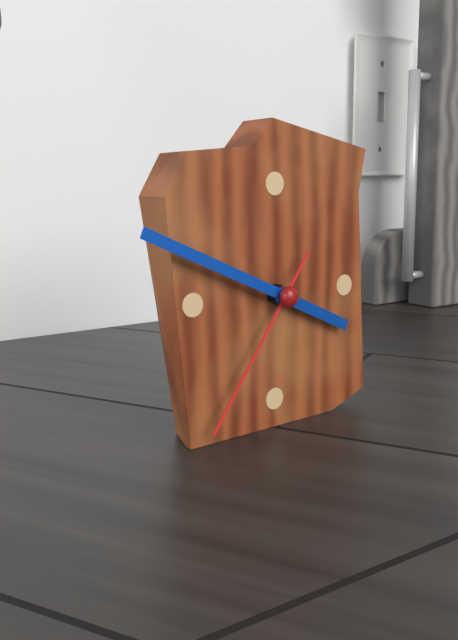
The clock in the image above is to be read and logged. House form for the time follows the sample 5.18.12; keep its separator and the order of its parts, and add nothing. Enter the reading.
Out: 3.49.36
